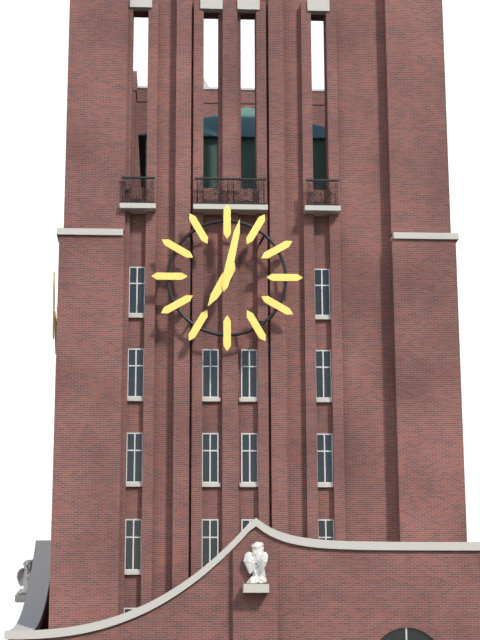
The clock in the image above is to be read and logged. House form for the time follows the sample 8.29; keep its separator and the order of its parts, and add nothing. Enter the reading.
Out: 7.02
